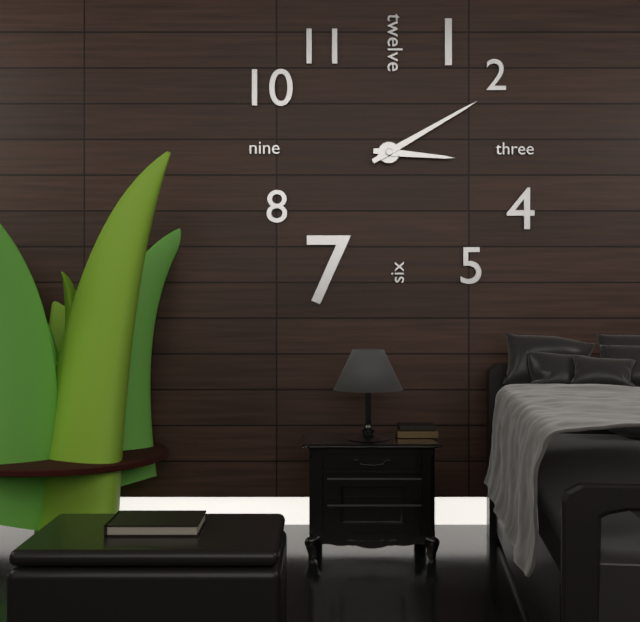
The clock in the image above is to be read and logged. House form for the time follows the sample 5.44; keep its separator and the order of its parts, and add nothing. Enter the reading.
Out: 3.10
